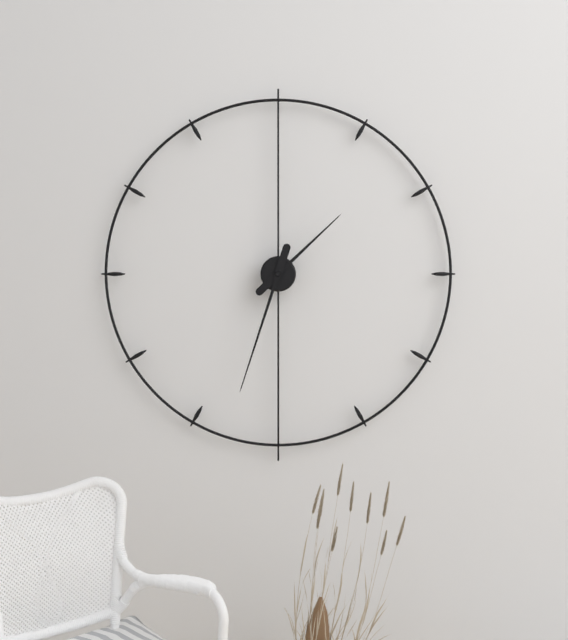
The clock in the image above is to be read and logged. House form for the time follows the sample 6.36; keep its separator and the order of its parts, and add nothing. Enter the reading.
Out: 1.33
